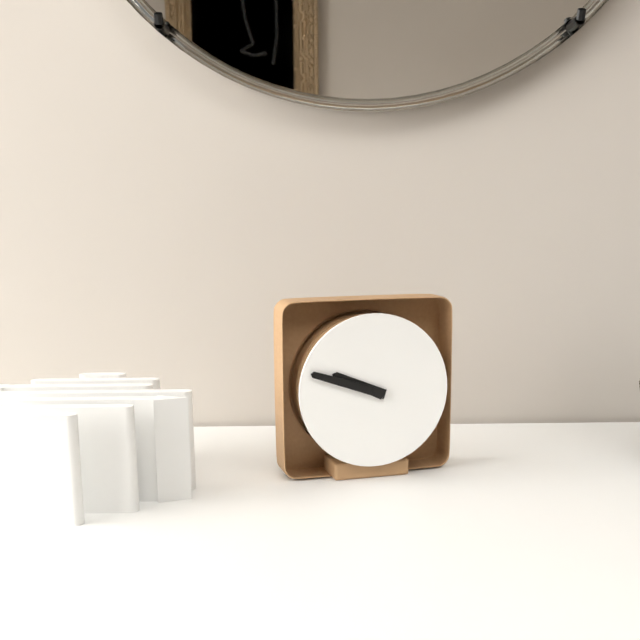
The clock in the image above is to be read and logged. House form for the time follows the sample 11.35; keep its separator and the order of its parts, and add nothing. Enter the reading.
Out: 9.48
